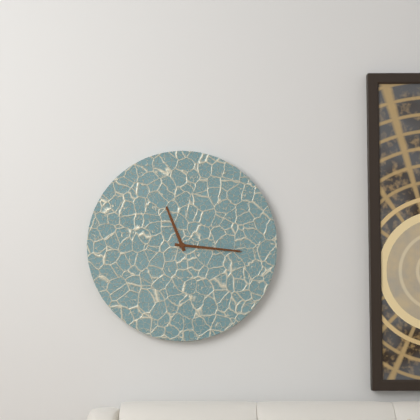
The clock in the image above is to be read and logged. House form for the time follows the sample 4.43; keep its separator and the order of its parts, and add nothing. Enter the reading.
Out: 11.16
